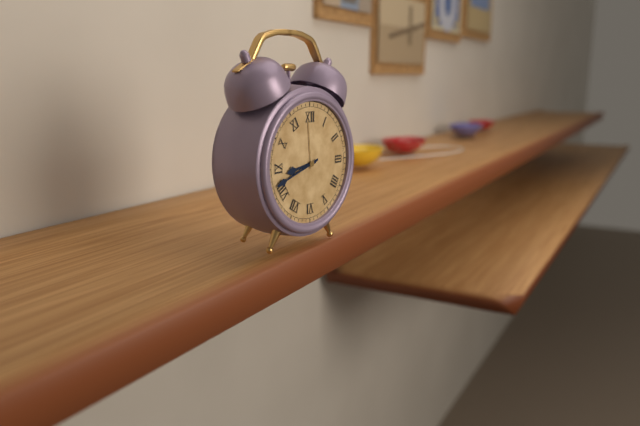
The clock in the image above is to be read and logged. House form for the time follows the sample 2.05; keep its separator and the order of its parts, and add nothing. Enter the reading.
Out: 8.42
